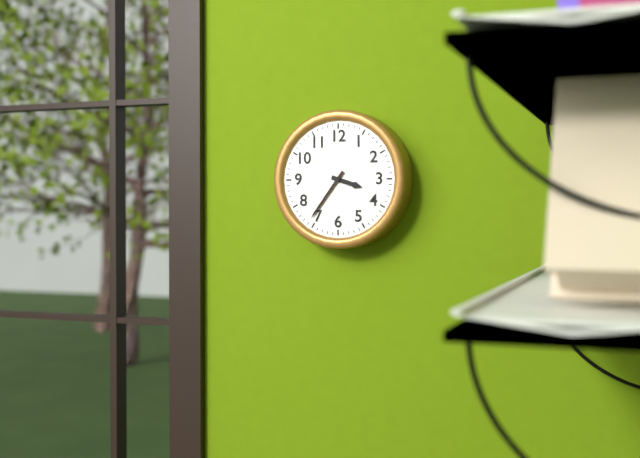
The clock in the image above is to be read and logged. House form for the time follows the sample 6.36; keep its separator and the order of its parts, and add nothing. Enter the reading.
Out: 3.36
